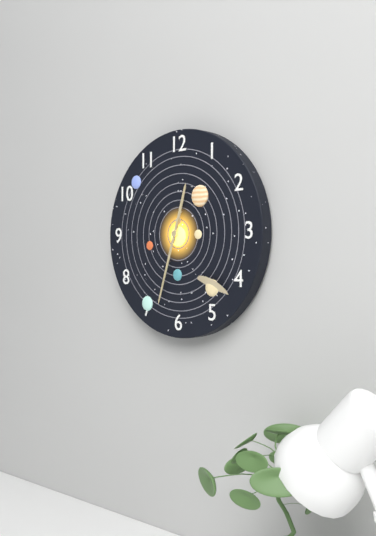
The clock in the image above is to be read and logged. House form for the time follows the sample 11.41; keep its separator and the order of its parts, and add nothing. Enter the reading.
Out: 12.33
